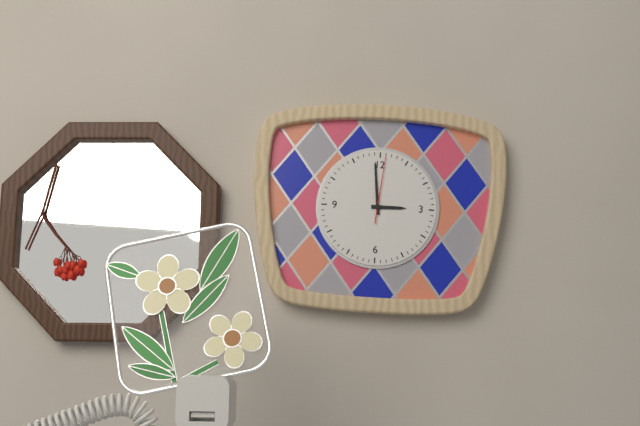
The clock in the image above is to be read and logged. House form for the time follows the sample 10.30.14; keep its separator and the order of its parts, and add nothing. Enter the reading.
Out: 2.59.01
